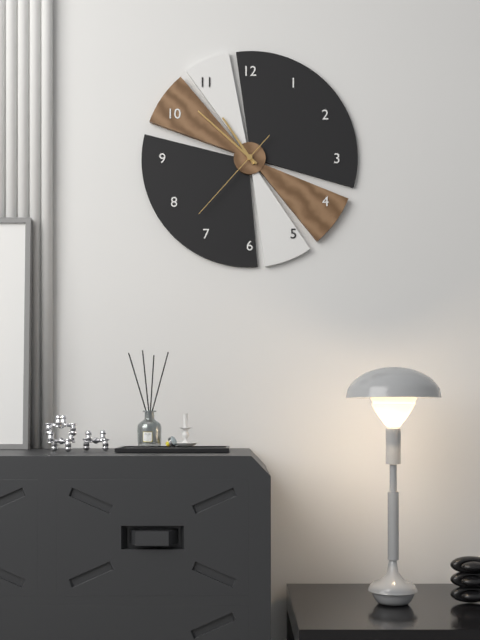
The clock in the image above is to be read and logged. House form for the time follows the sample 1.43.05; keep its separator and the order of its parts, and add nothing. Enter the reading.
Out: 10.52.37
